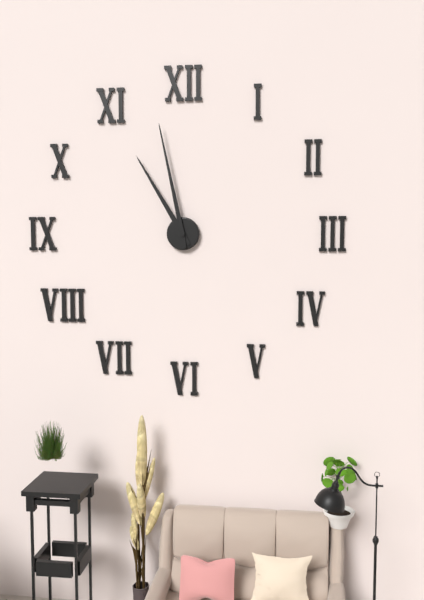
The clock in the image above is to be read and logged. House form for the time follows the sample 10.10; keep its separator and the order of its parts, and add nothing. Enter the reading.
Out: 10.58
